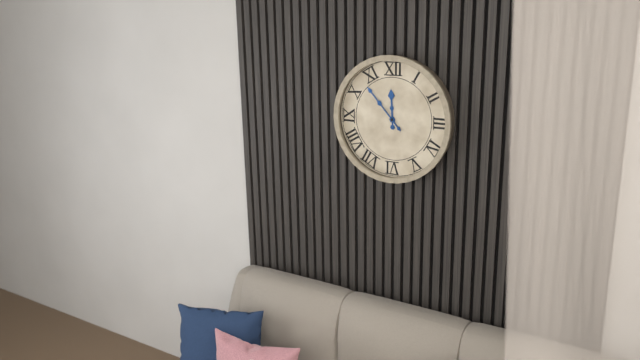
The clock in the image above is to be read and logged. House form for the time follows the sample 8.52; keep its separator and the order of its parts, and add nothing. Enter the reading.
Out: 11.53
